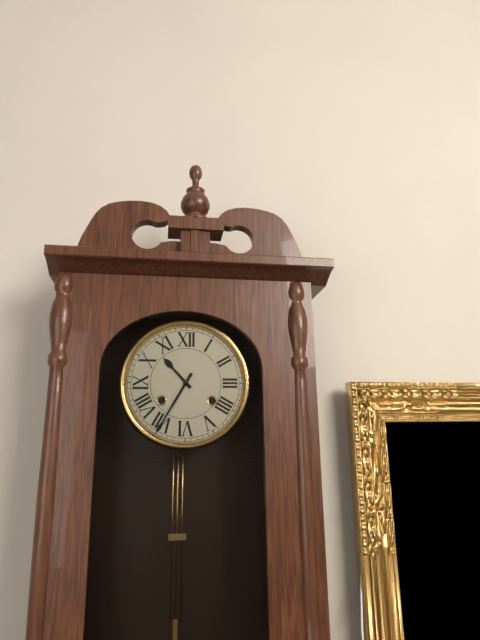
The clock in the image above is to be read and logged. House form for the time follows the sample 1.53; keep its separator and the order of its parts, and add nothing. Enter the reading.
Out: 10.35
